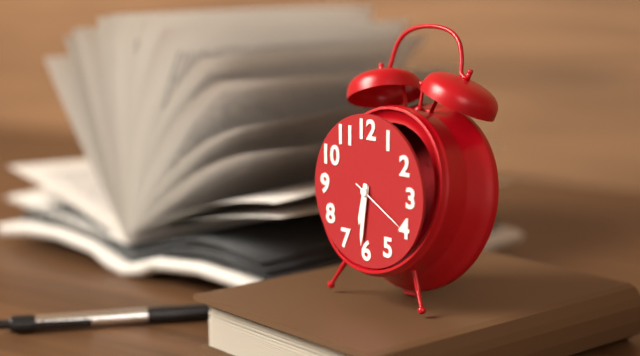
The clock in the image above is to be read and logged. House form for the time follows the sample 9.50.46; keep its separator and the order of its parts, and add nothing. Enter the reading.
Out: 6.31.20
